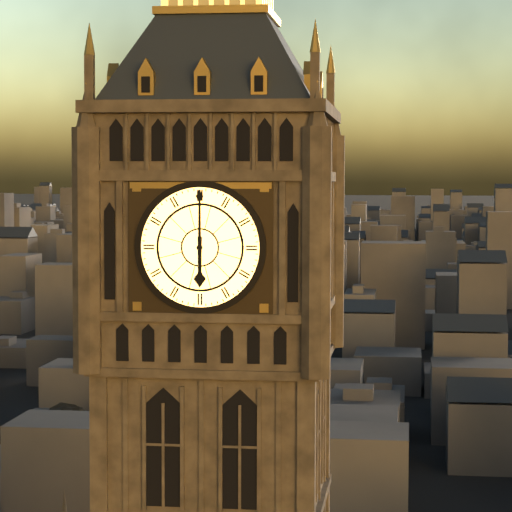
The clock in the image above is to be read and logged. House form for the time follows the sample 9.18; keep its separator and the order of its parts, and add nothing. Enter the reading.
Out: 6.00
